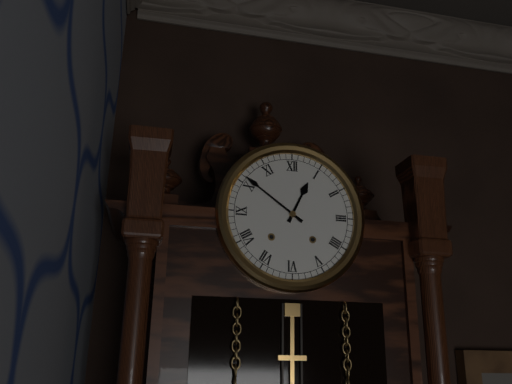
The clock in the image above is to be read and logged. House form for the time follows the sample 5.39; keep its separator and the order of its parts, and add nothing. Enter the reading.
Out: 12.51
